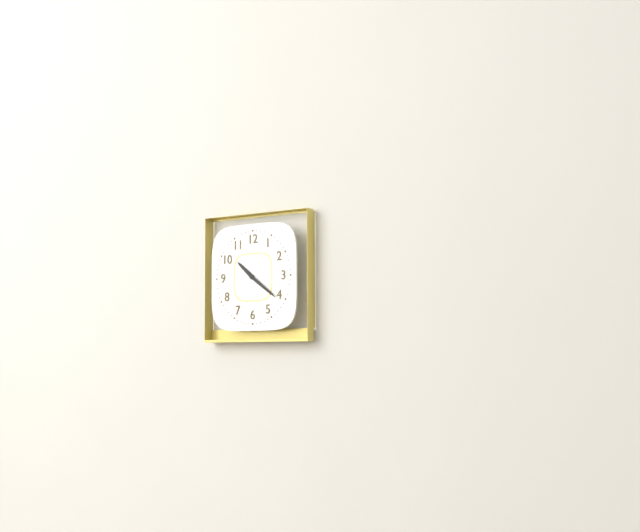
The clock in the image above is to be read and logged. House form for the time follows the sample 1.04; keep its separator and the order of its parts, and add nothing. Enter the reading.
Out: 10.21
